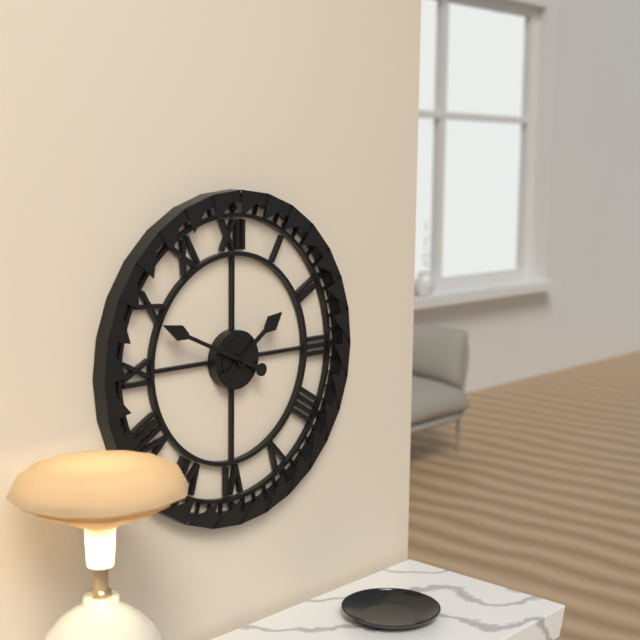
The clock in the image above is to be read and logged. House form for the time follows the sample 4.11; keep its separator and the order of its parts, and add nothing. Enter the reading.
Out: 1.49
